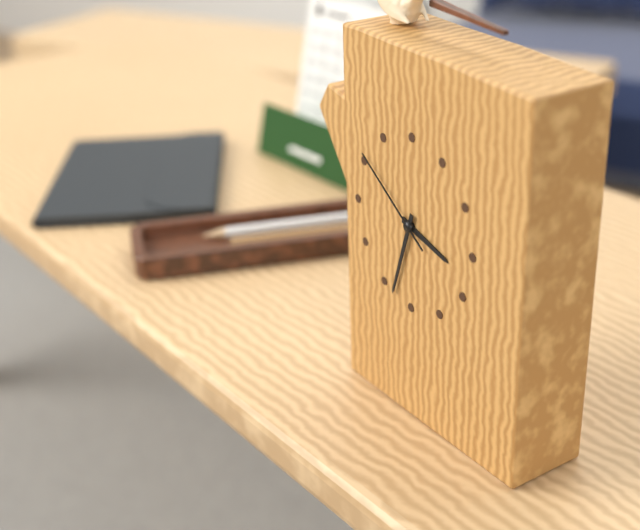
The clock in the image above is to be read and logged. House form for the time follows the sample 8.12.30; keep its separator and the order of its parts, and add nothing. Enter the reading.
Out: 3.33.51
